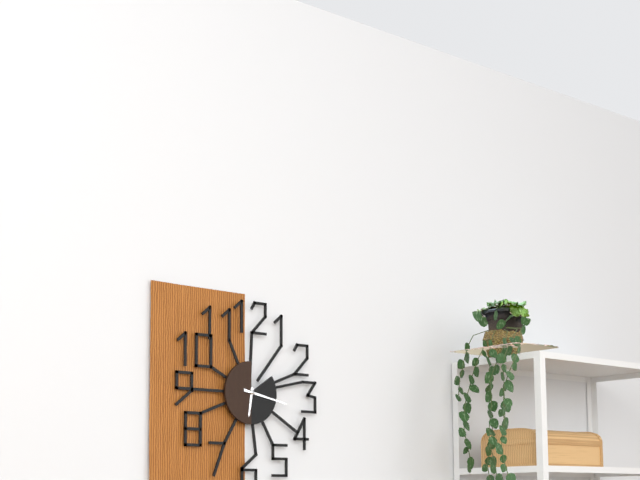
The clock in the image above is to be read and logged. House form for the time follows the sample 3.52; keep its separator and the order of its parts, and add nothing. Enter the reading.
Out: 6.17
